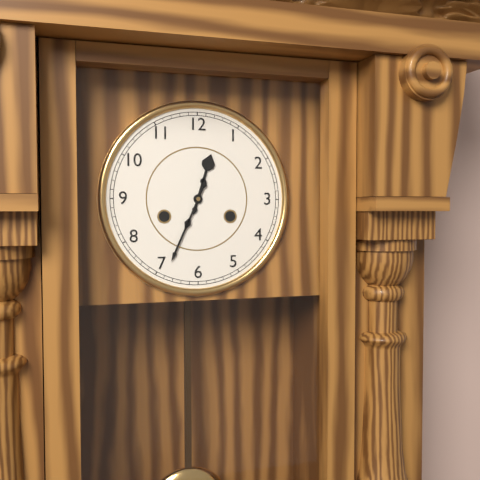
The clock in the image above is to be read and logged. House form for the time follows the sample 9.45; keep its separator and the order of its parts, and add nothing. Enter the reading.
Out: 12.34
